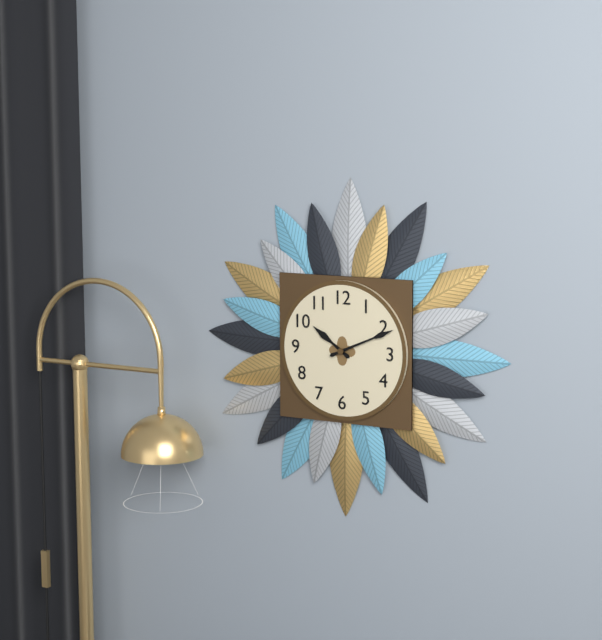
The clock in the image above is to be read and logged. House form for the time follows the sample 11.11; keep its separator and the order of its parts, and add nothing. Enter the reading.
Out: 10.11
